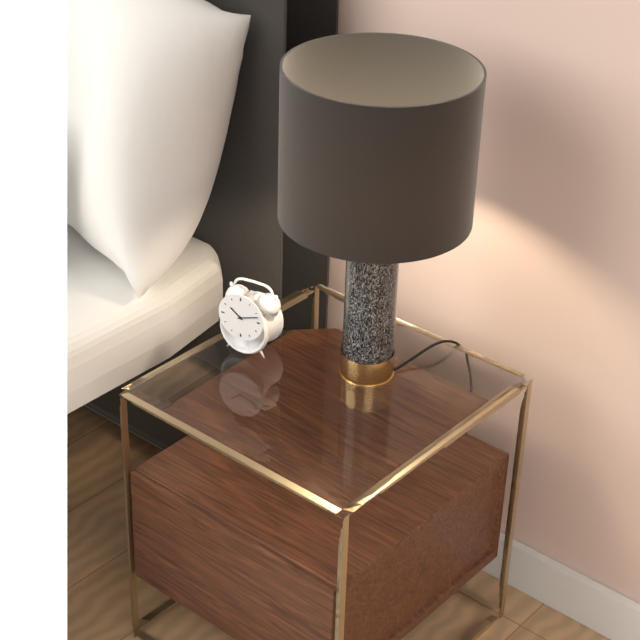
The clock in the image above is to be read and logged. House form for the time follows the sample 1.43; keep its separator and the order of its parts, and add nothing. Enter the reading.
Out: 10.12
